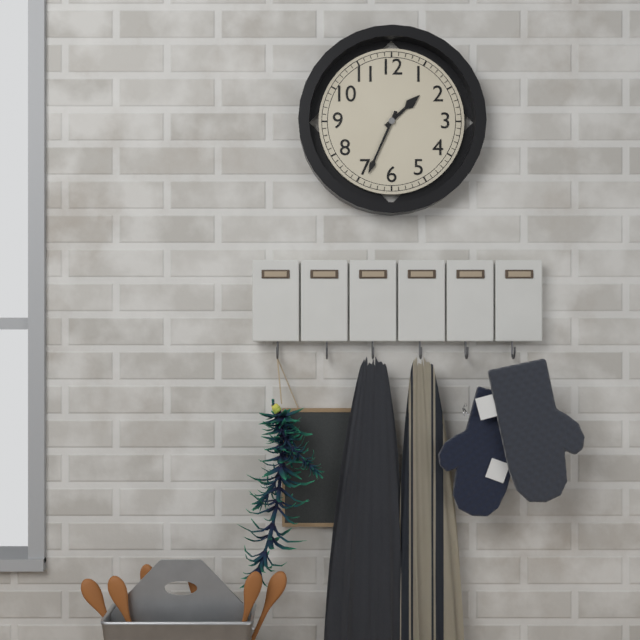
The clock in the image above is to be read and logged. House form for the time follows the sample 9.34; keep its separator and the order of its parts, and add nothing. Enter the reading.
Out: 1.34
